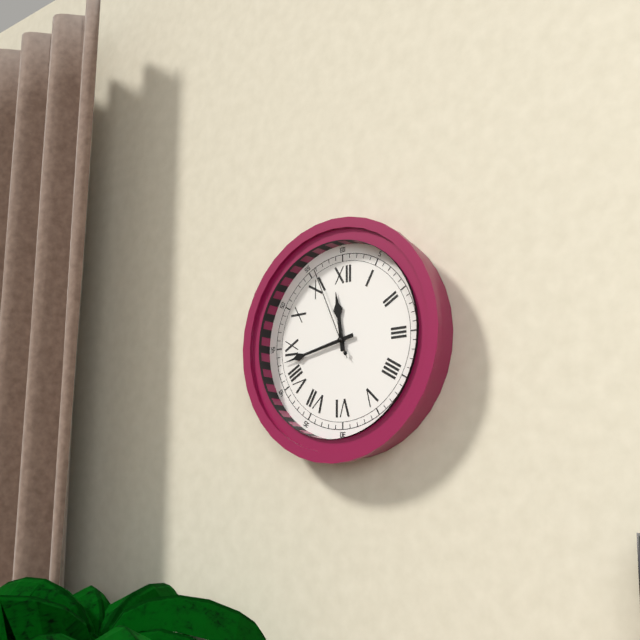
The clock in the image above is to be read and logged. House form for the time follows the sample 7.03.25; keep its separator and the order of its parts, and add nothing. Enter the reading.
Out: 11.43.56
